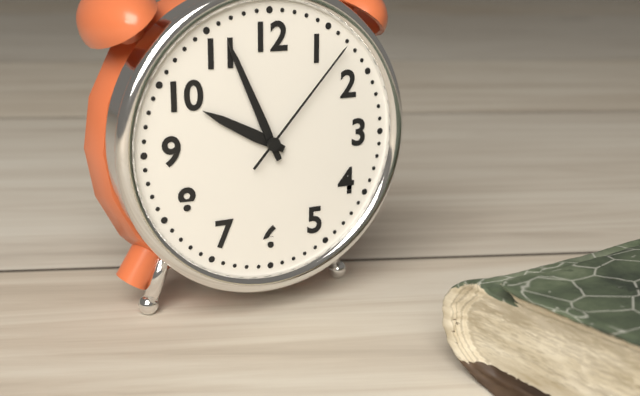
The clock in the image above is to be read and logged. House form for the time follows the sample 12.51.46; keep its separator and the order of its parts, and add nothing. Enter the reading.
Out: 9.56.07
